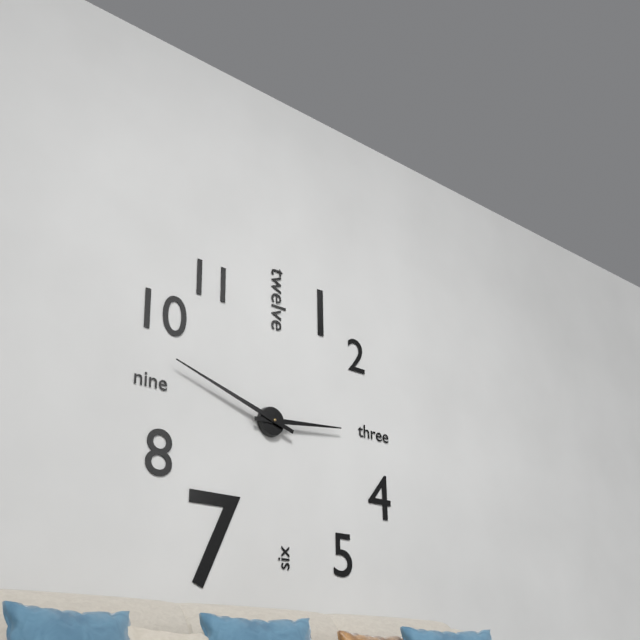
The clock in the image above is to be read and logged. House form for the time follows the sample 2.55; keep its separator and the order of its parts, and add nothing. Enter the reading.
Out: 2.48
